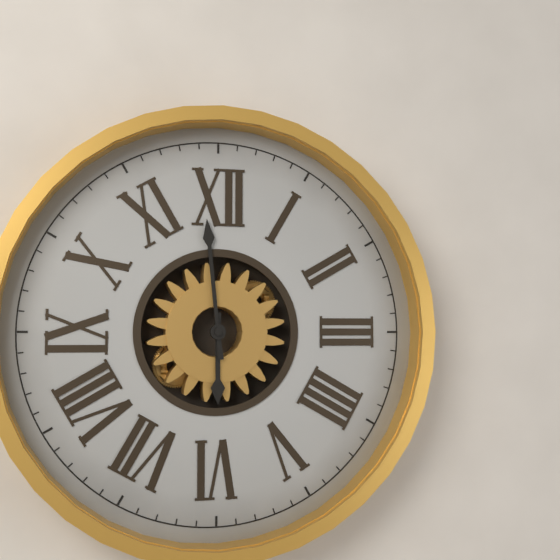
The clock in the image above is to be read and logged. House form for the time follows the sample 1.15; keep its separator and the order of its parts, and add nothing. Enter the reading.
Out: 5.59
